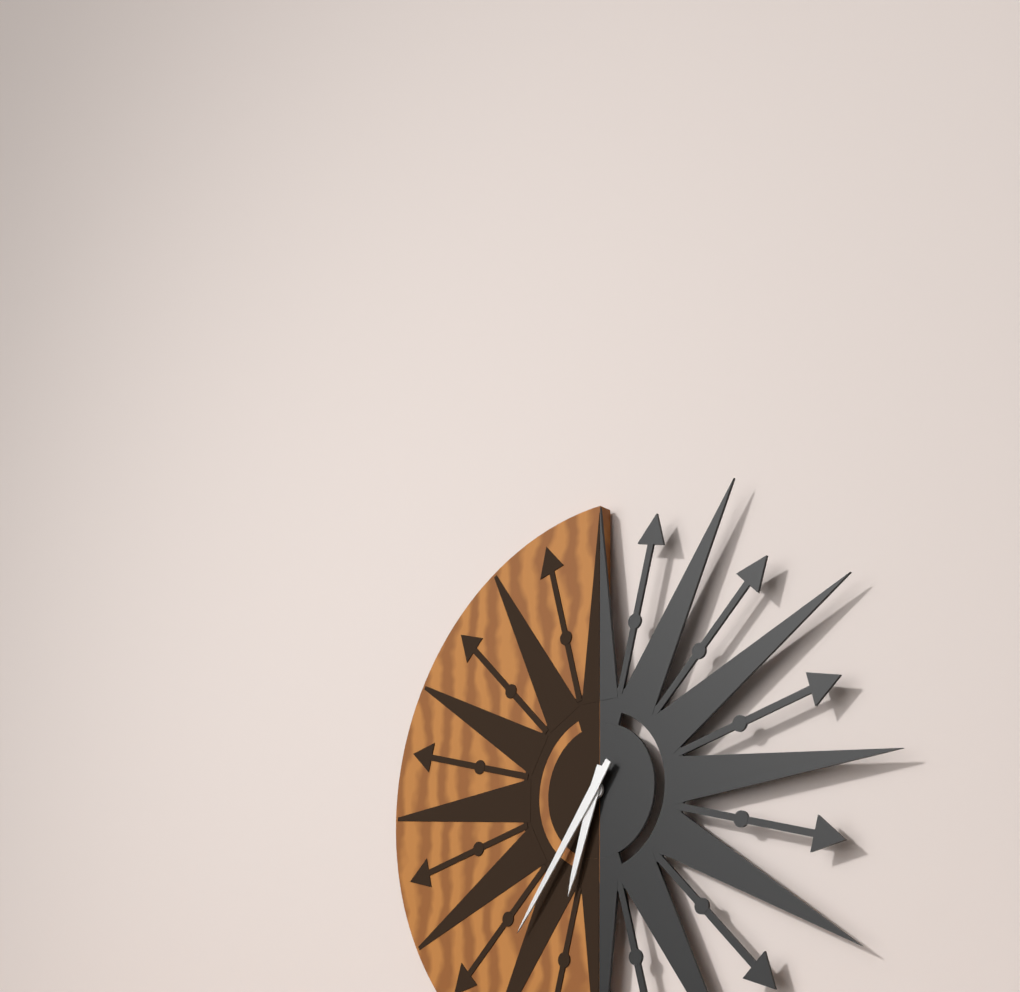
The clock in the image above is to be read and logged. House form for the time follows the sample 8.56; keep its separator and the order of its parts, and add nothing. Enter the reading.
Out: 6.36
